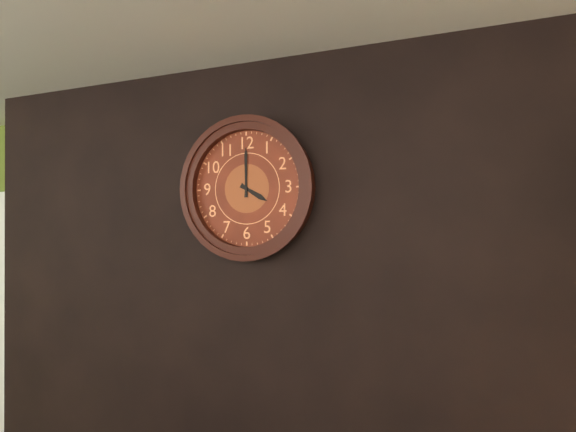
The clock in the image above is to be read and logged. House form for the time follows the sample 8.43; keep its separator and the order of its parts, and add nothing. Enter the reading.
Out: 4.00
